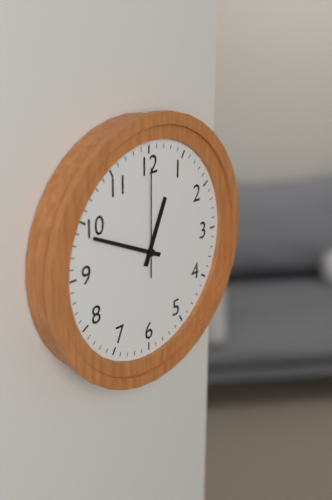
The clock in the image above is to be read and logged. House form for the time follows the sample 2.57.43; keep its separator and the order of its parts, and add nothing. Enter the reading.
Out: 12.49.00
